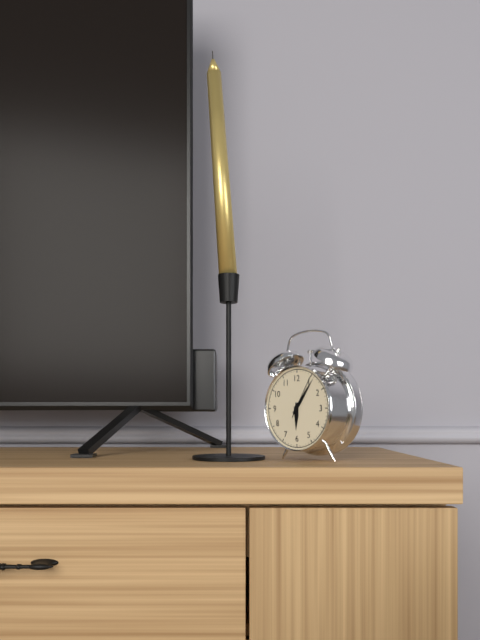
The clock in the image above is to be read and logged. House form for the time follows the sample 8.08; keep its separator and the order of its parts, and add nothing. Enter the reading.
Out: 6.06
